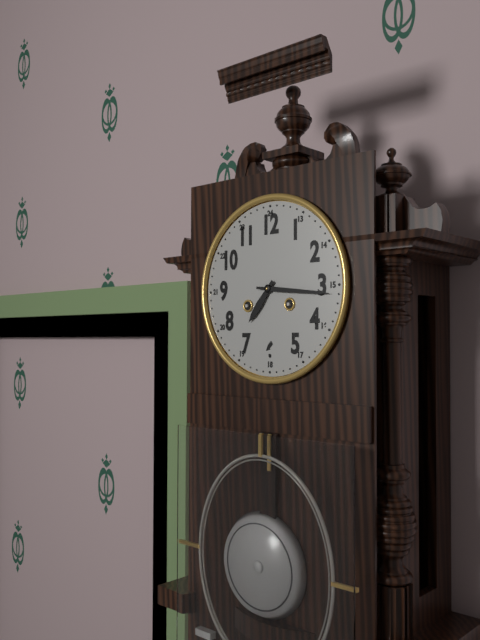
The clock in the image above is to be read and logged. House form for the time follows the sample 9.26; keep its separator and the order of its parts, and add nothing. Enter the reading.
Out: 7.16
